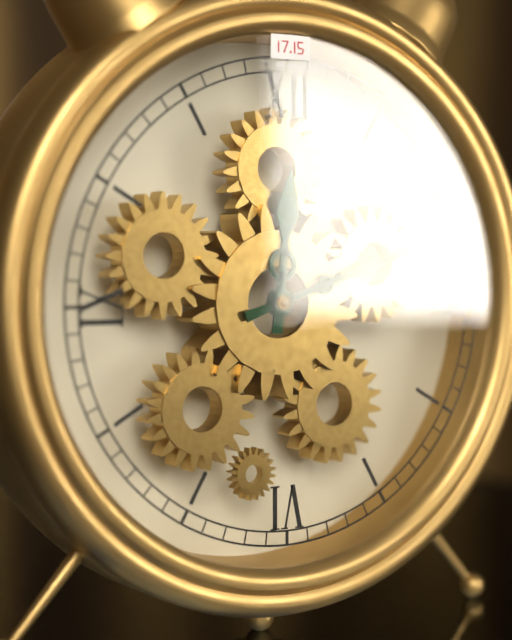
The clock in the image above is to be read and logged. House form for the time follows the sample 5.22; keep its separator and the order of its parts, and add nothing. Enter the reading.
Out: 12.12
